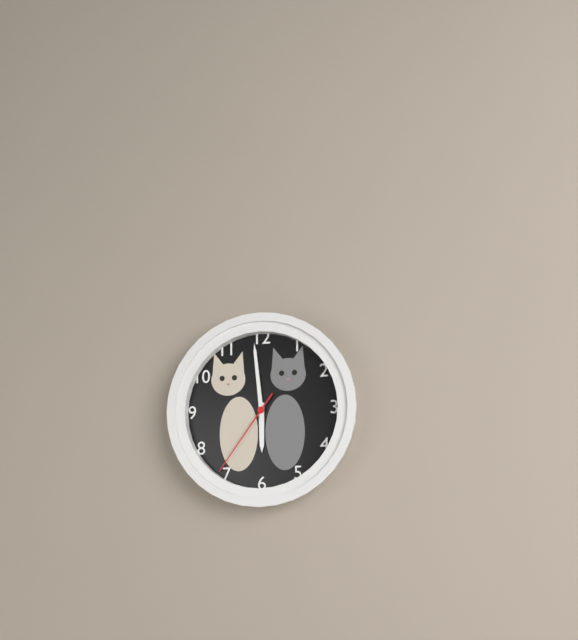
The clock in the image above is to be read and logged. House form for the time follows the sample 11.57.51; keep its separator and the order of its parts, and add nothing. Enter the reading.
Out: 5.59.36
